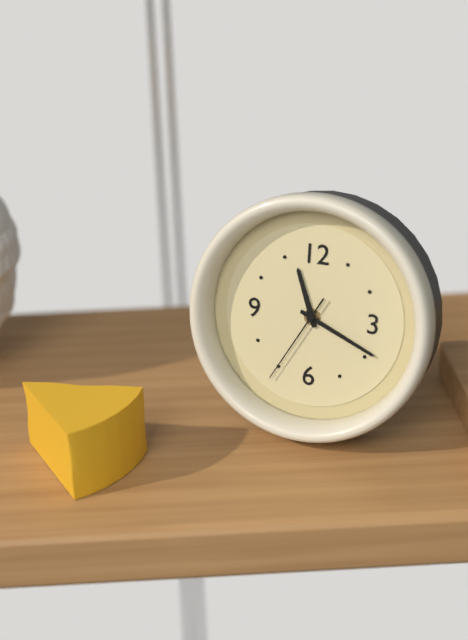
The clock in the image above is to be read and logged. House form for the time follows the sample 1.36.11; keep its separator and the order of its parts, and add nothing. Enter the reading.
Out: 11.19.35
